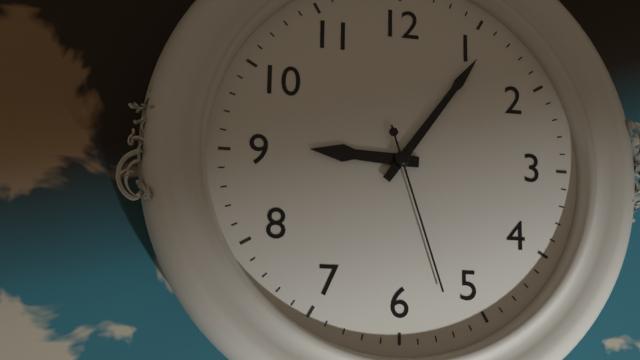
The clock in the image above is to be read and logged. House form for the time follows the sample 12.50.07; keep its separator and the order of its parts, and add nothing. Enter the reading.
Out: 9.06.27
